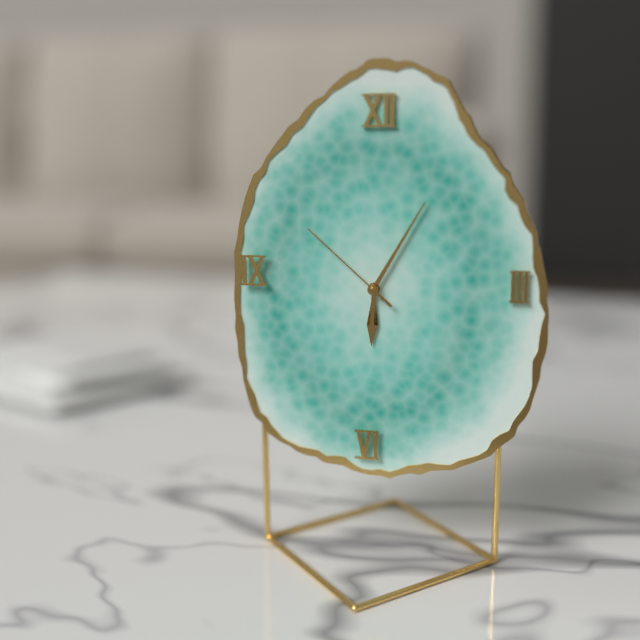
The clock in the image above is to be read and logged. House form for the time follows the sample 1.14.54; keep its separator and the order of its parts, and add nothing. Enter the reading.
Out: 6.05.52
